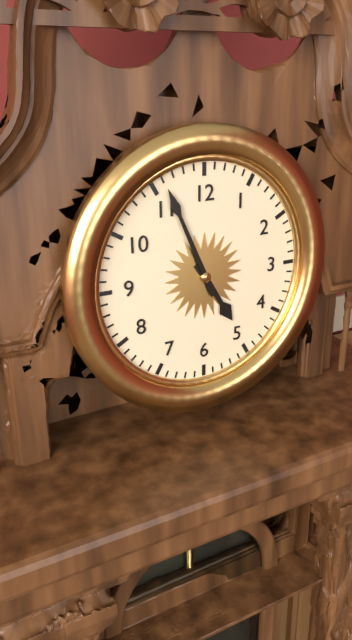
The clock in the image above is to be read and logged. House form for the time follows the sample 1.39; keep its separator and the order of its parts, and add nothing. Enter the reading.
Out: 4.56
